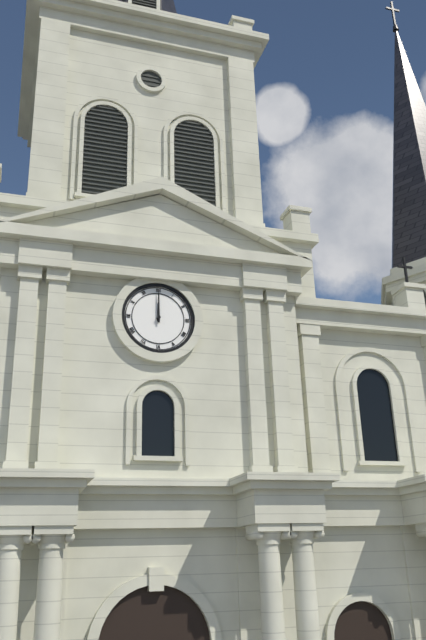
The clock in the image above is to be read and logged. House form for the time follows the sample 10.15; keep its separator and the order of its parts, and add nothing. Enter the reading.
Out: 12.00
